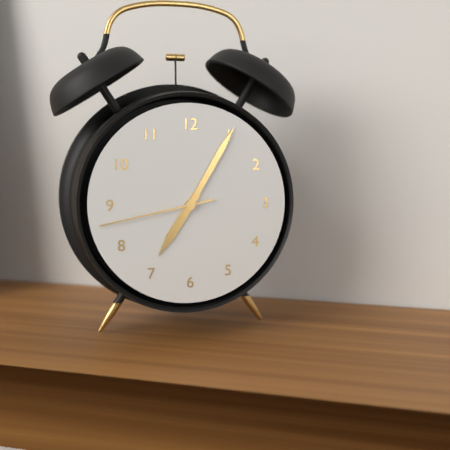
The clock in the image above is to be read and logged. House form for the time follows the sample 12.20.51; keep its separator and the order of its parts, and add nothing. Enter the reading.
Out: 7.05.43
